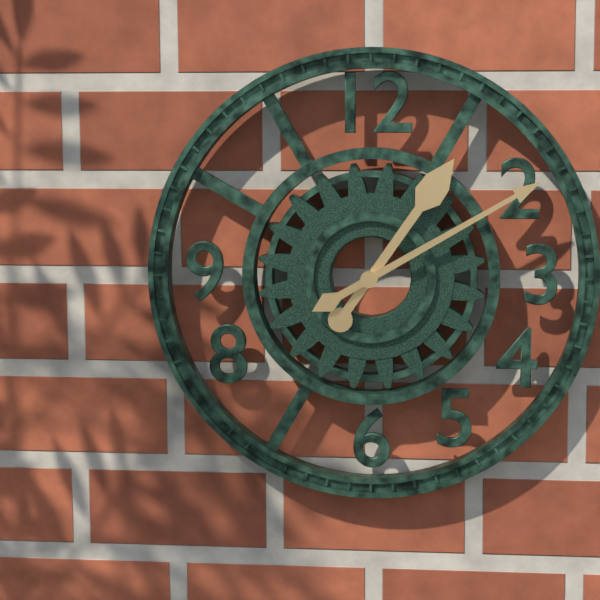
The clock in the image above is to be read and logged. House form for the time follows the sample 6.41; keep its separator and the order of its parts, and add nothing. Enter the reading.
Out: 1.10
